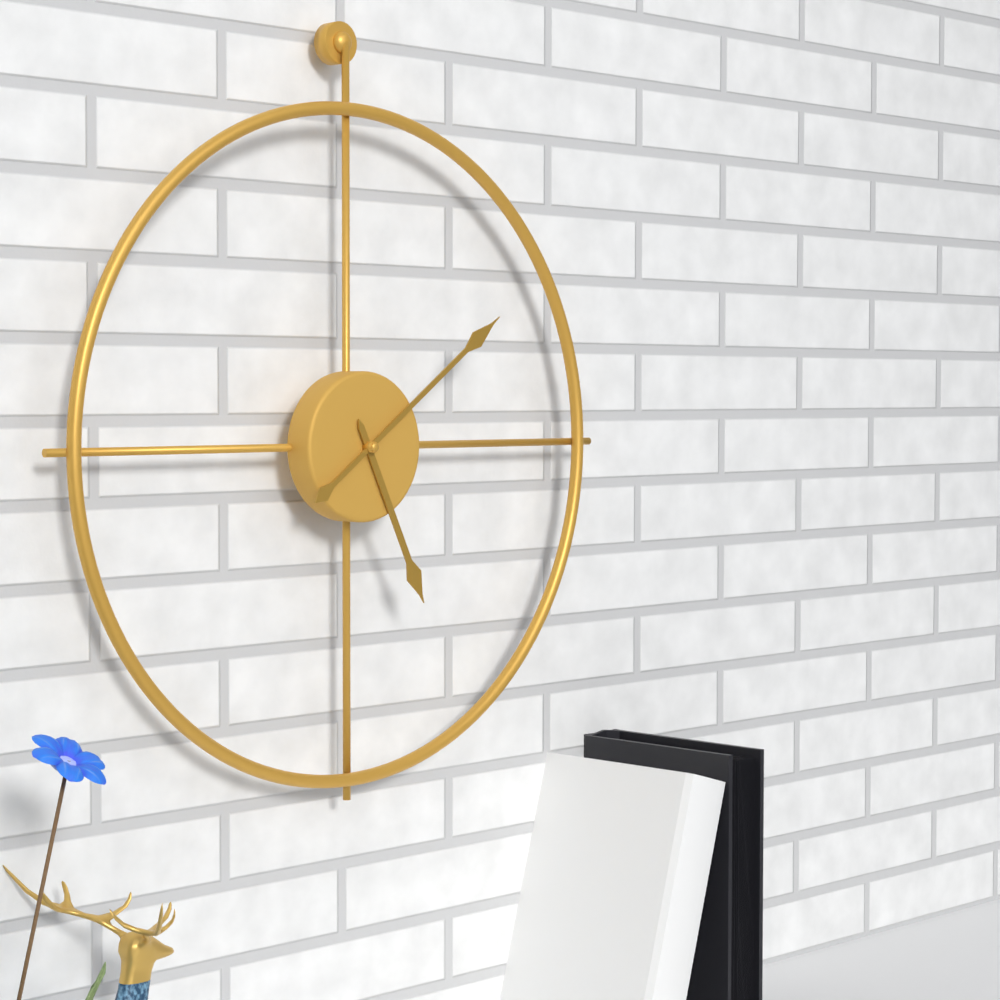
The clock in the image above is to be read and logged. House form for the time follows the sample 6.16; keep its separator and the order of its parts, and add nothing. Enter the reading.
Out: 5.09
